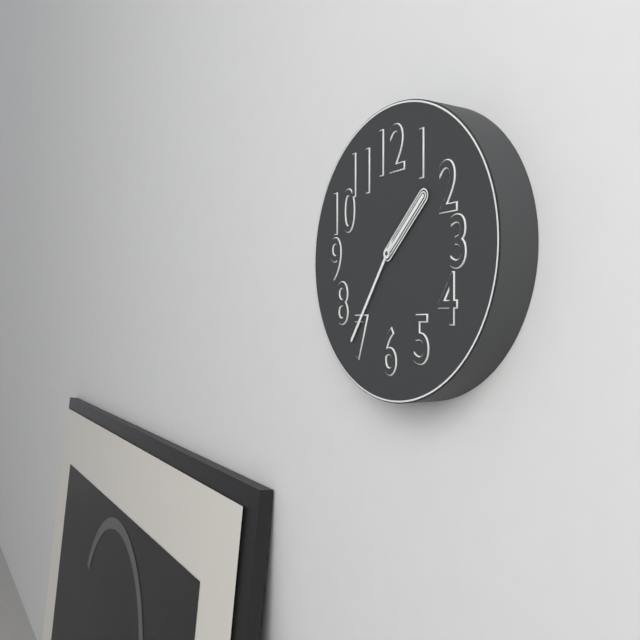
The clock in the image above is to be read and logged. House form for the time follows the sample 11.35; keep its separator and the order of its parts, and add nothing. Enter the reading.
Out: 1.36
